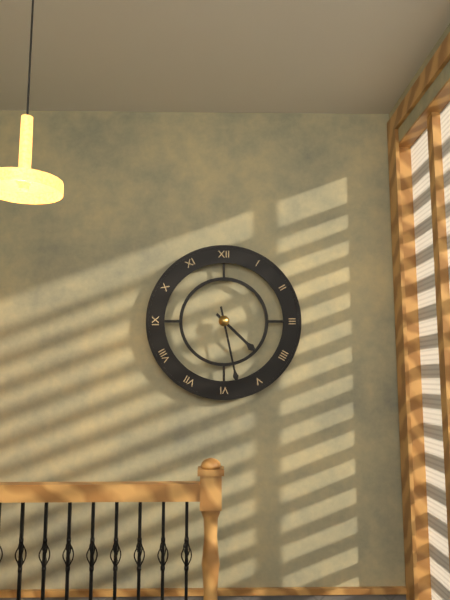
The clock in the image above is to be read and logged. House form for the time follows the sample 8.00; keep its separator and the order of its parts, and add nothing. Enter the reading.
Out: 4.28
